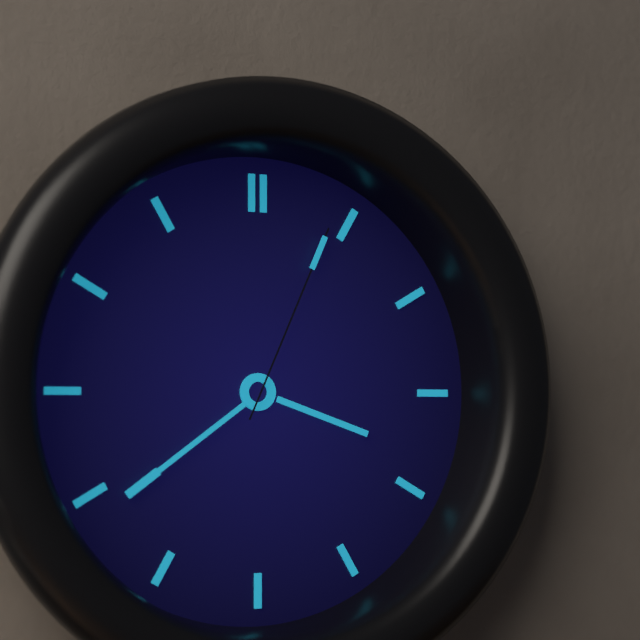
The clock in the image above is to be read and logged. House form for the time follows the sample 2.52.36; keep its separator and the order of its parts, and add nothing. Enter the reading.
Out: 3.39.04
